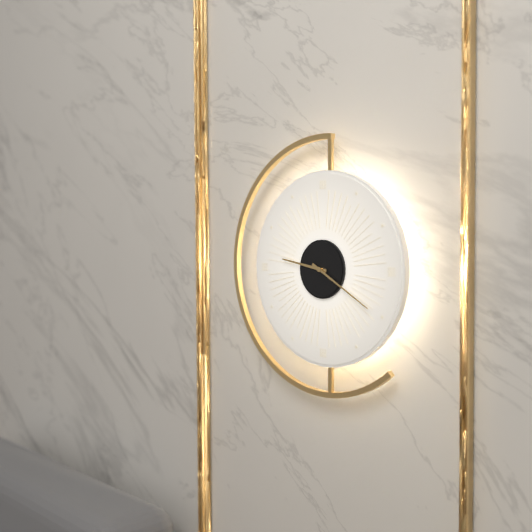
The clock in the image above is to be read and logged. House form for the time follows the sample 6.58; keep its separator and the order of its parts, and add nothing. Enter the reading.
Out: 9.20
